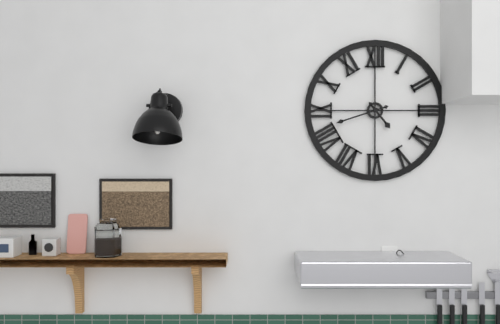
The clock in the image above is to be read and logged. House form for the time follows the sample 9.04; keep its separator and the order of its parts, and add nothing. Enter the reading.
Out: 4.42
